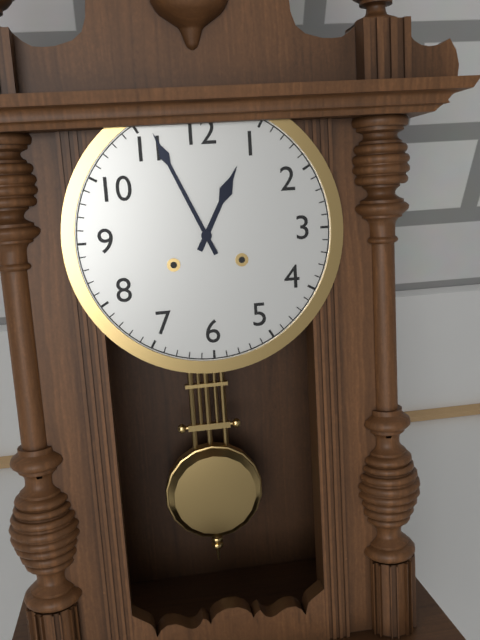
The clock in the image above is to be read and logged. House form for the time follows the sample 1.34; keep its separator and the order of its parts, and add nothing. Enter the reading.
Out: 12.56
